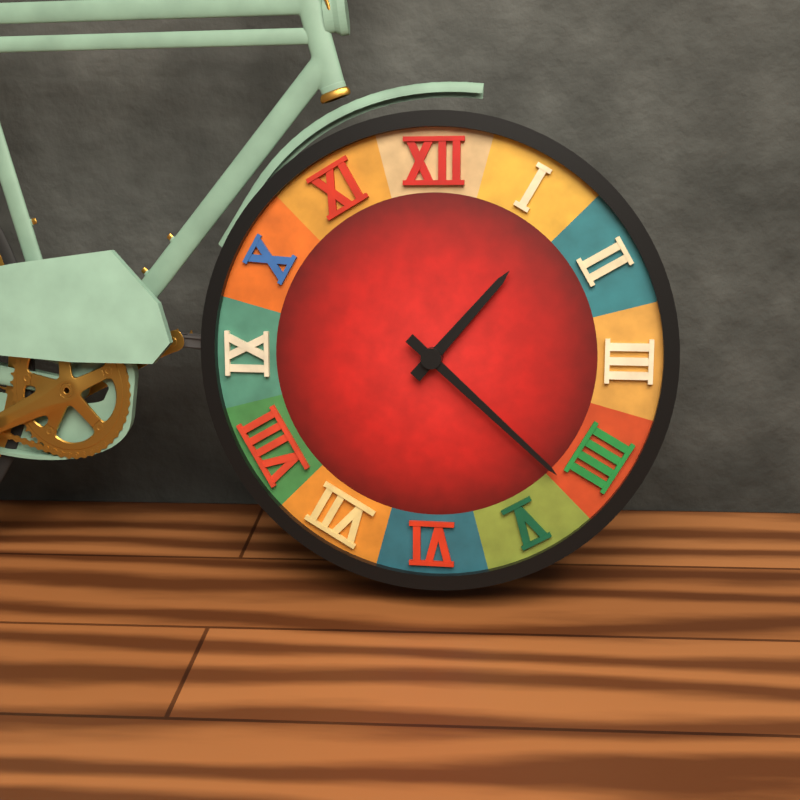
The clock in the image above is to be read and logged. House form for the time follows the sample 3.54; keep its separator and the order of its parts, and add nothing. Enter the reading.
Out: 1.22
